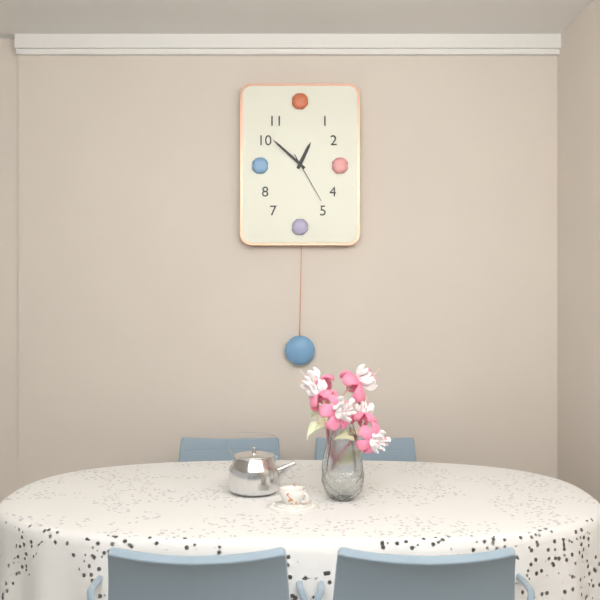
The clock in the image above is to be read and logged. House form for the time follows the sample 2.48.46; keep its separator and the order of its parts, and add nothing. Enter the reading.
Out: 12.52.25
